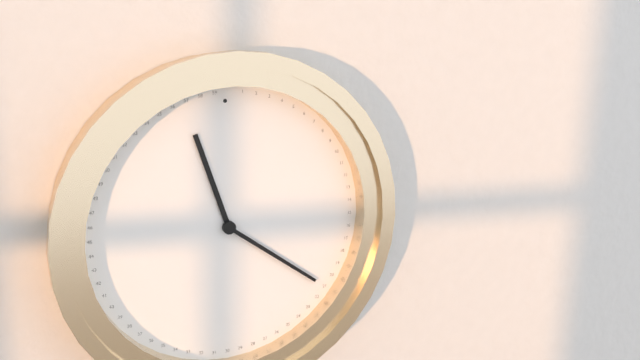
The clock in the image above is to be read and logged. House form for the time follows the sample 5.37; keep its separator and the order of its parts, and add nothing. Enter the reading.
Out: 11.21
